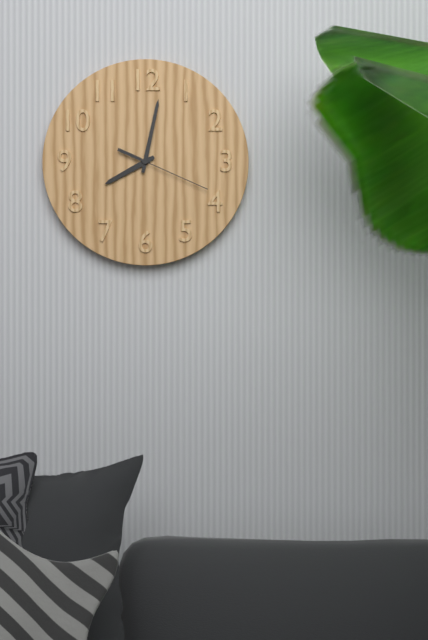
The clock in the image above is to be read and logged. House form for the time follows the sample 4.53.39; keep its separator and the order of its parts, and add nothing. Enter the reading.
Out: 8.02.19
